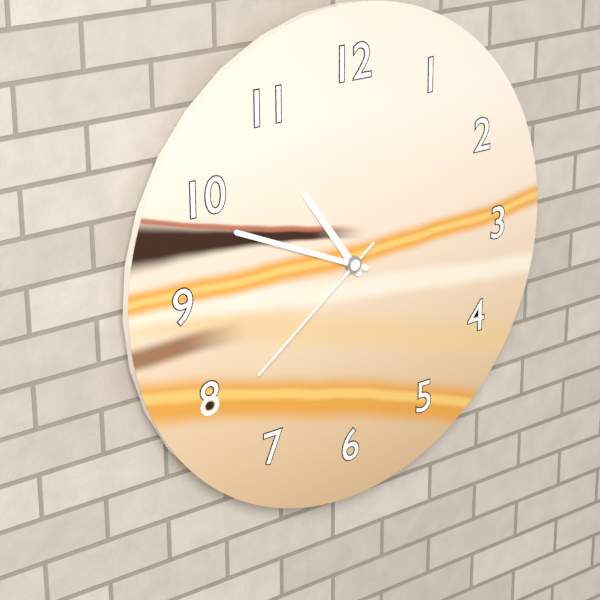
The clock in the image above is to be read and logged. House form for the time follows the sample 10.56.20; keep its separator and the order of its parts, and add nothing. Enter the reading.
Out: 10.49.39
